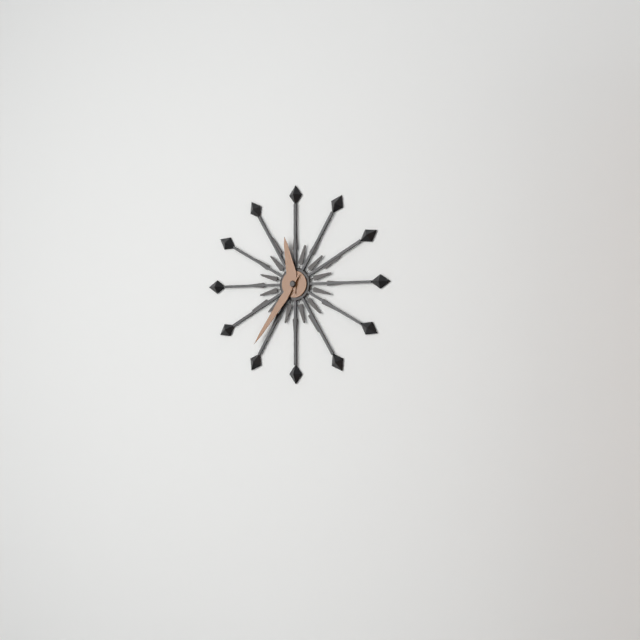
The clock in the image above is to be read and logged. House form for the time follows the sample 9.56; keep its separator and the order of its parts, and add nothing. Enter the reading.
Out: 11.36
